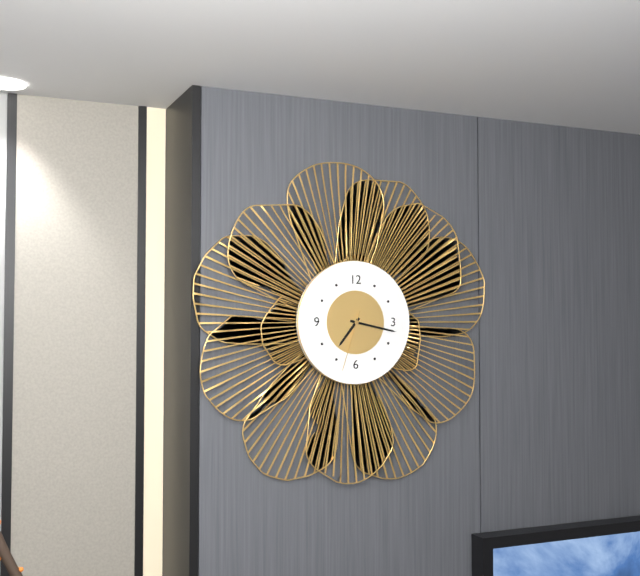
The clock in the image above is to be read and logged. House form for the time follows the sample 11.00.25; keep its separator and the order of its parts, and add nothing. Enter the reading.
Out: 7.17.33
